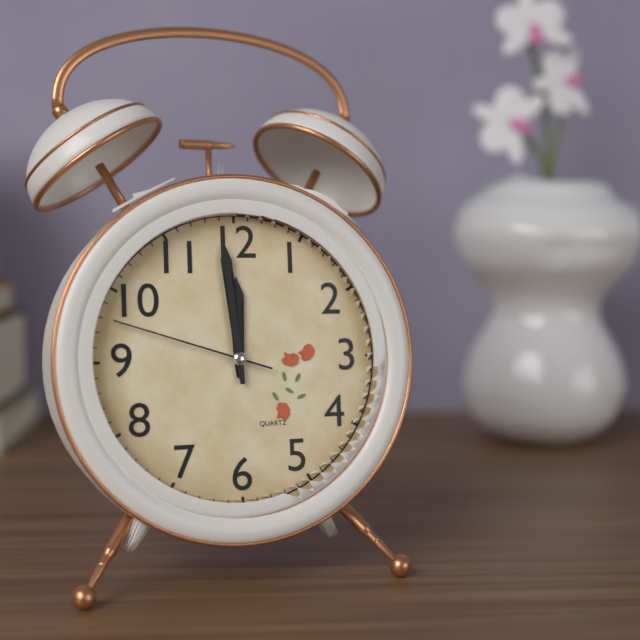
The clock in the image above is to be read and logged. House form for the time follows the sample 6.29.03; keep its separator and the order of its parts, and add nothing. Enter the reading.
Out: 11.59.48
